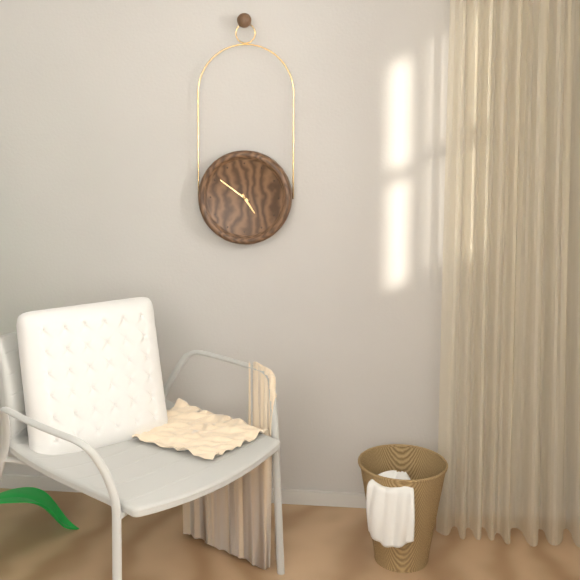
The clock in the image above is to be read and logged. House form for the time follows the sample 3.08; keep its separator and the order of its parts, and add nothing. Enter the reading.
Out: 4.51
